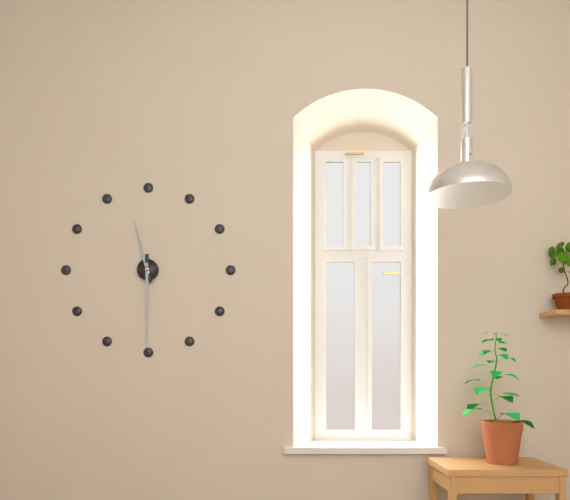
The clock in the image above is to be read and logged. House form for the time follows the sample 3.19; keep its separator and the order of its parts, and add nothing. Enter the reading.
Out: 11.30
